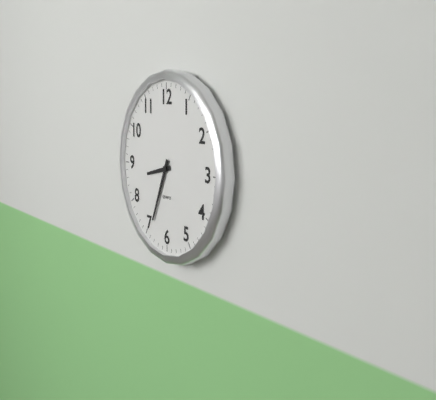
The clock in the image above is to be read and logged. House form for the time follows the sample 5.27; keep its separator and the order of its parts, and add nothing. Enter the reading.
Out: 8.34
